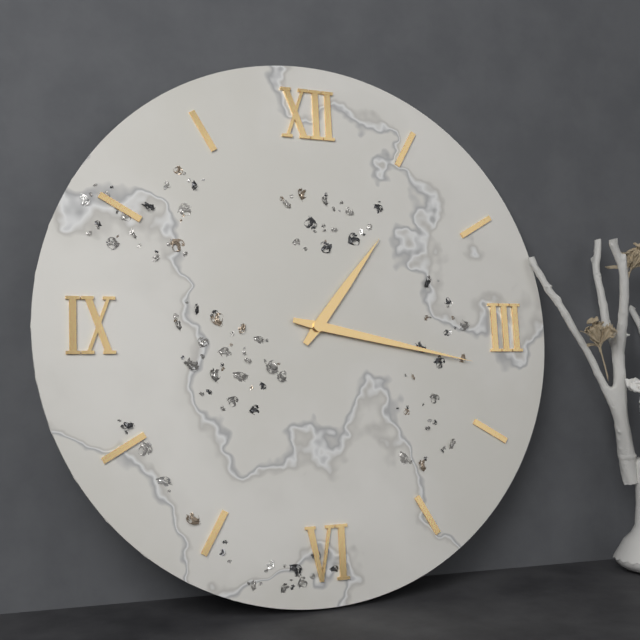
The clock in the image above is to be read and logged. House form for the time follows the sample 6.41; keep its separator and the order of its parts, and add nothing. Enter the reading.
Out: 1.17
